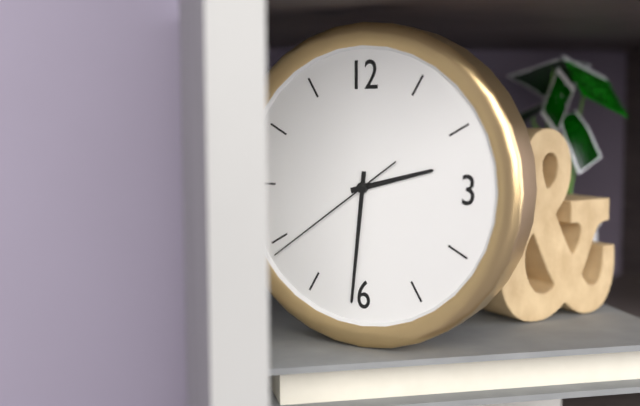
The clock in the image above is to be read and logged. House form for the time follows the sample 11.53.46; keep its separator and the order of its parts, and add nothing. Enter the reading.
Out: 2.31.39
